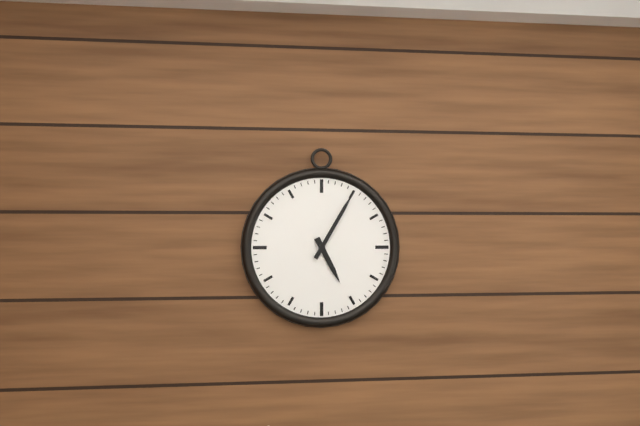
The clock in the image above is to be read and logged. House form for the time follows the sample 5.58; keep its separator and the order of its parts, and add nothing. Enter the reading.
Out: 5.05
